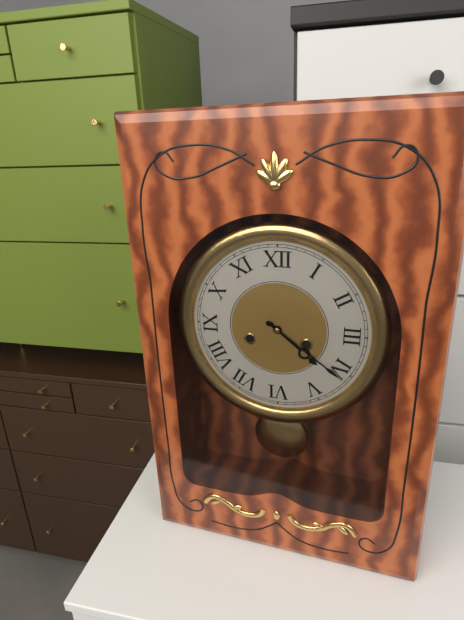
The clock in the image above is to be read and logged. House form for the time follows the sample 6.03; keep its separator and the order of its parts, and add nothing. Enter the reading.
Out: 4.21
